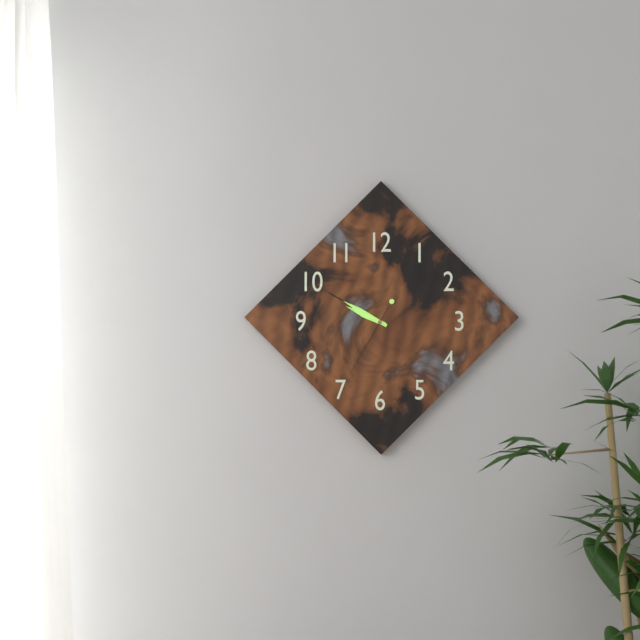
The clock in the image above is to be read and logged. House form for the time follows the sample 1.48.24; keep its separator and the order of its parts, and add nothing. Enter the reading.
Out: 9.50.35
